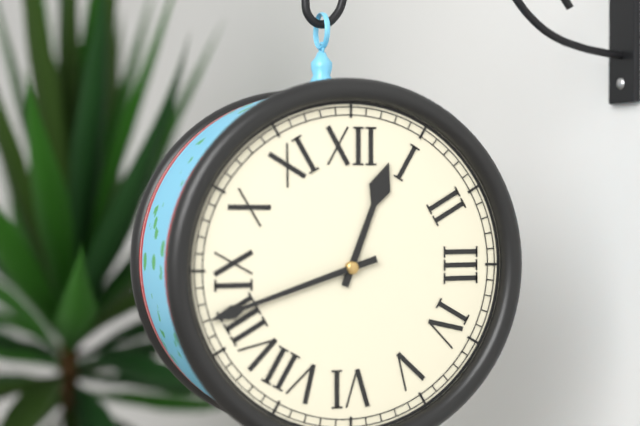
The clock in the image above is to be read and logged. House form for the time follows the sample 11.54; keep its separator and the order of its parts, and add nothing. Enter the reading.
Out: 12.42
